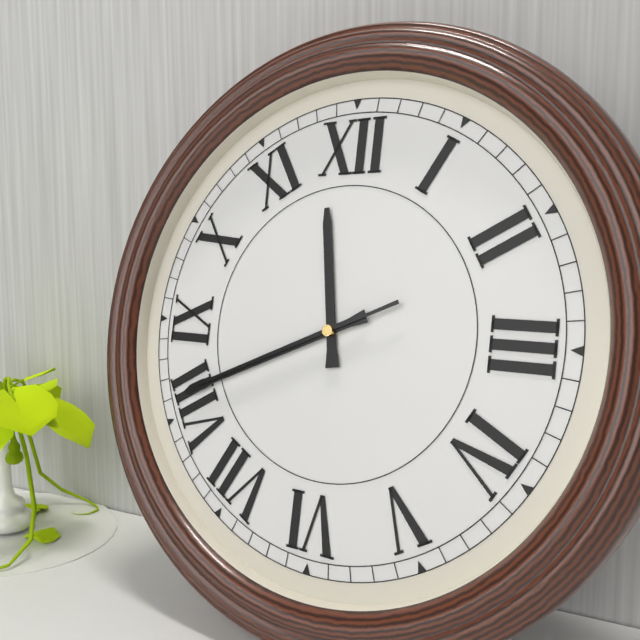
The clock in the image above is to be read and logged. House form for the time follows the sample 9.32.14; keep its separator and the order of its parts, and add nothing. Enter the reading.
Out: 11.41.41
